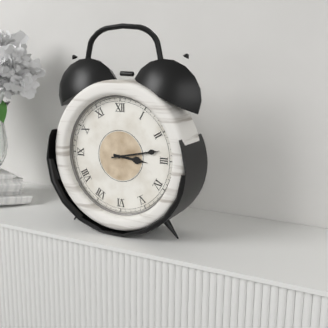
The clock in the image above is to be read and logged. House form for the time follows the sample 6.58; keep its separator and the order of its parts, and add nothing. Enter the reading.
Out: 3.13
